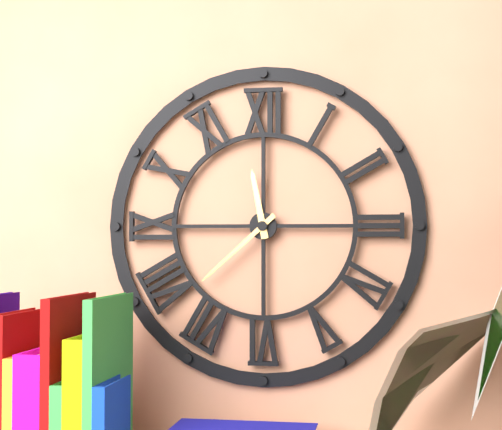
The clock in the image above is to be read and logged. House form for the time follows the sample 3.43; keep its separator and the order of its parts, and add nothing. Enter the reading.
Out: 11.38
